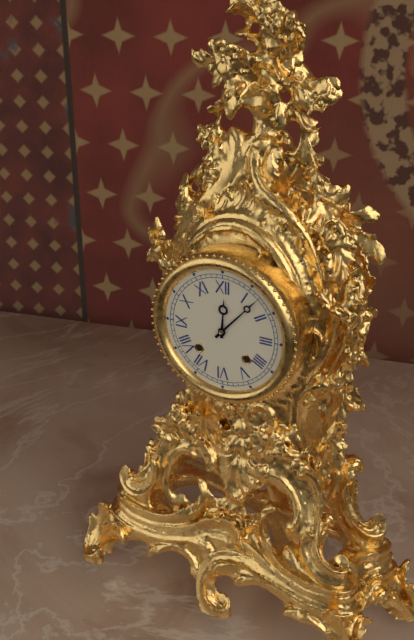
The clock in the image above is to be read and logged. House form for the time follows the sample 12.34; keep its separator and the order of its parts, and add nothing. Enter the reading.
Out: 12.07
